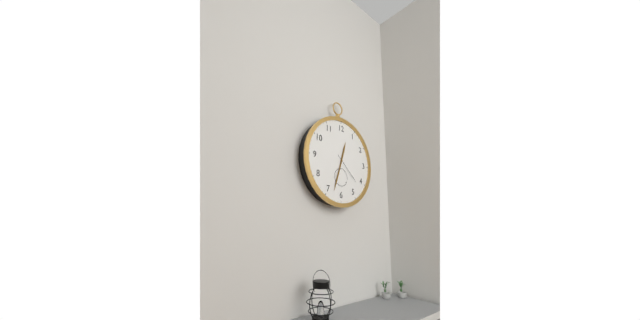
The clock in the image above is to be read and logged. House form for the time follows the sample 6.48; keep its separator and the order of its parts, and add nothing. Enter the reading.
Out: 12.33
